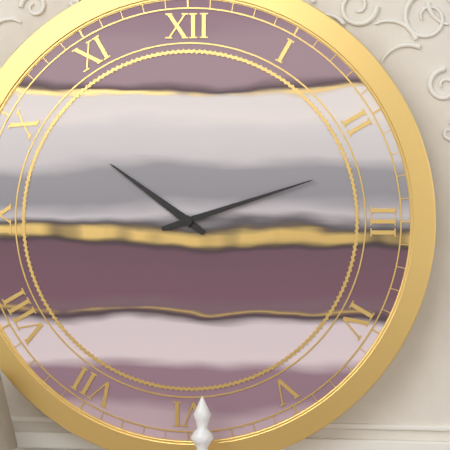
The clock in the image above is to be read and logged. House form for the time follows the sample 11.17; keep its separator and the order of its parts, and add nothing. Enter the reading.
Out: 10.12
